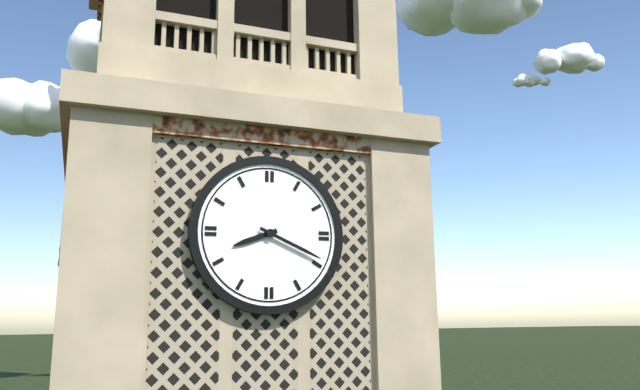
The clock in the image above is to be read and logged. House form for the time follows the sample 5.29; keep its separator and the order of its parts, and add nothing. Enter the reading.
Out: 8.19
